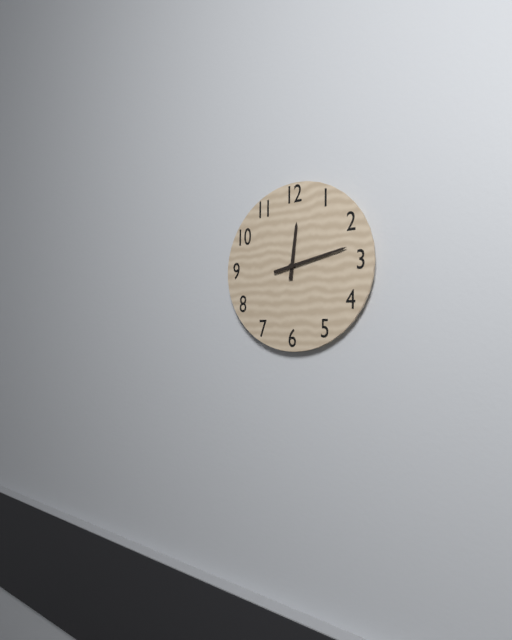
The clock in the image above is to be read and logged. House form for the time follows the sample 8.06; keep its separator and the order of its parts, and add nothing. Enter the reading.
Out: 12.13
